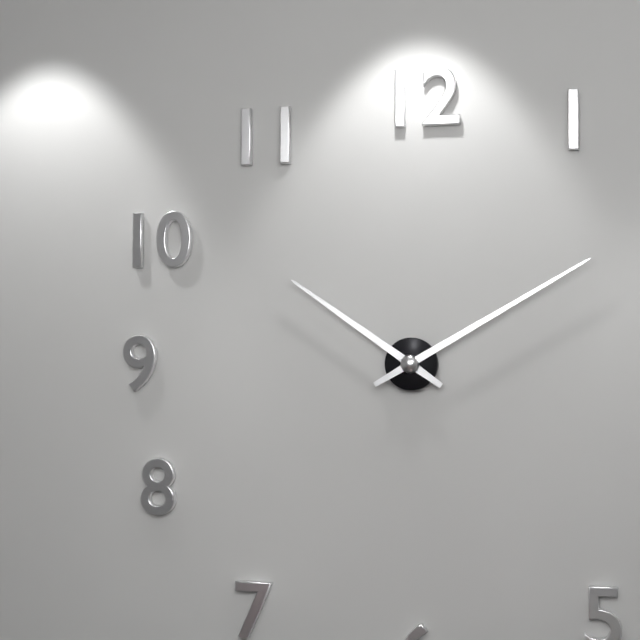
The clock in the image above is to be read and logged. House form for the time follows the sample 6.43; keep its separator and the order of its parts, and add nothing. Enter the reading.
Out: 10.10
